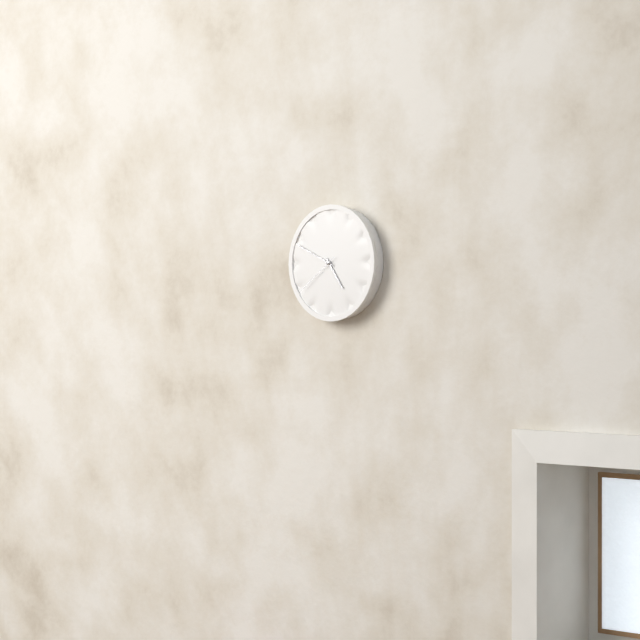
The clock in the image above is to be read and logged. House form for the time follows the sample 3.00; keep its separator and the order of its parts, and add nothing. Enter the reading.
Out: 4.49
